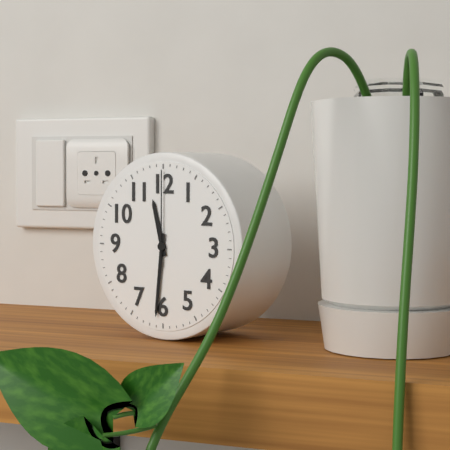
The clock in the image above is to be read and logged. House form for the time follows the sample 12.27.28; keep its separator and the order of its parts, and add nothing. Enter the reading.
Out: 11.31.00
